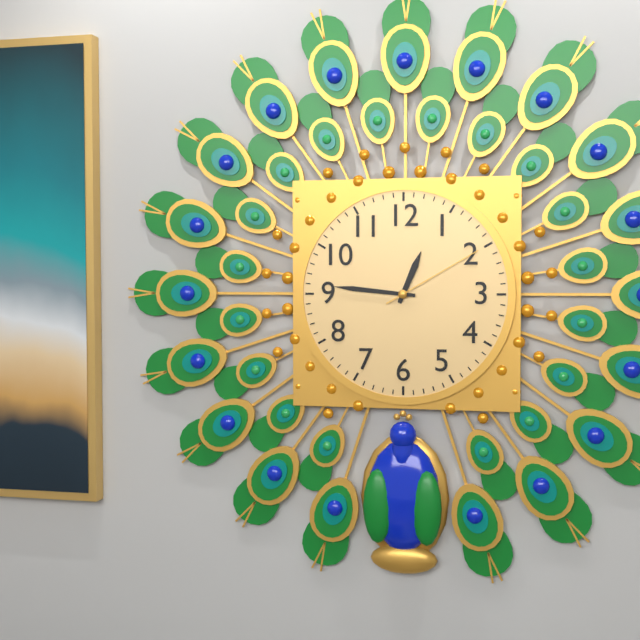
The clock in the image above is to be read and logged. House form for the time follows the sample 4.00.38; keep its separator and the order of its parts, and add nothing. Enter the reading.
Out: 12.46.10
